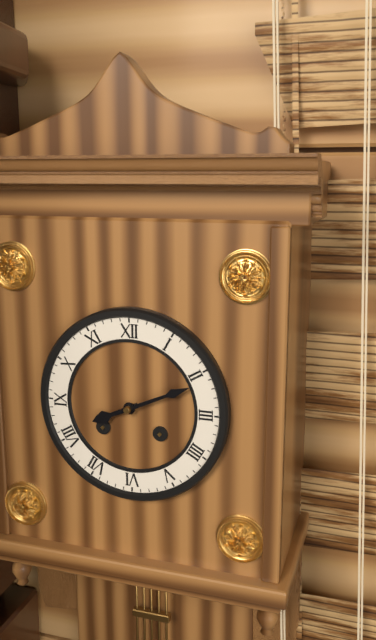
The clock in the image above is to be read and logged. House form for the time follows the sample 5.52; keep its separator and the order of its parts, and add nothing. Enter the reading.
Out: 8.11
